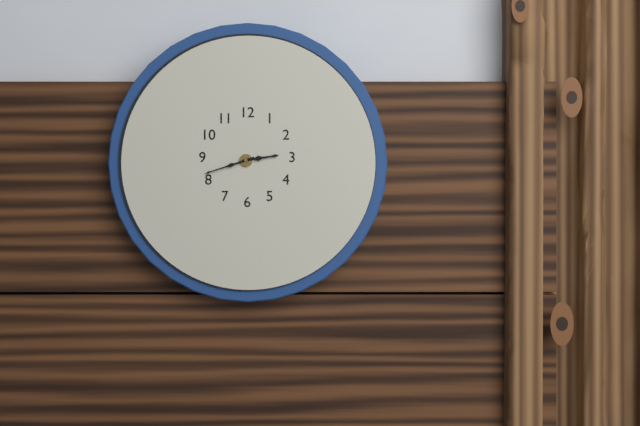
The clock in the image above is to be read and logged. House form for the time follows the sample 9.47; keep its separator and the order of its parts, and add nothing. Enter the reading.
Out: 2.42
